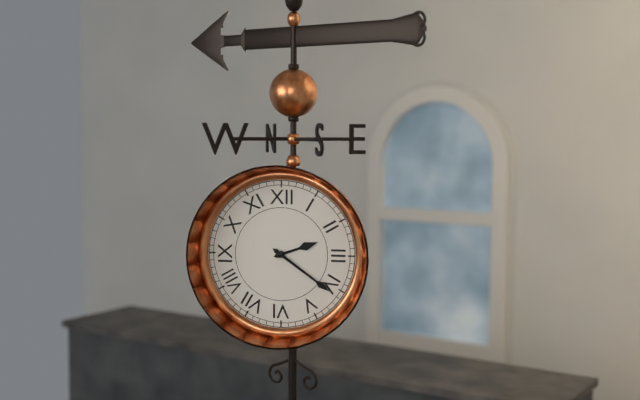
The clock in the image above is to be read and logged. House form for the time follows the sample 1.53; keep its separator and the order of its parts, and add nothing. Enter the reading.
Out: 2.21
